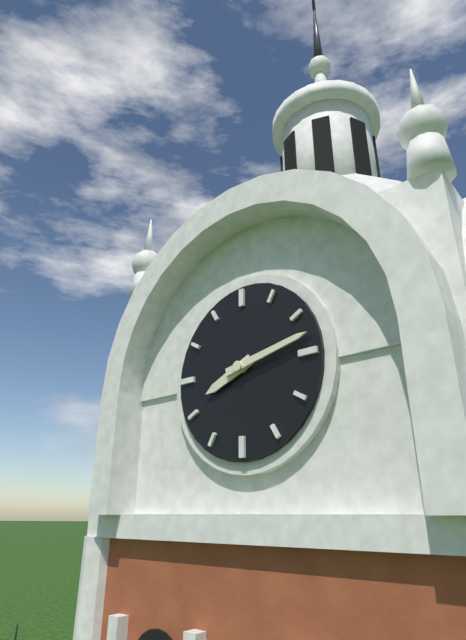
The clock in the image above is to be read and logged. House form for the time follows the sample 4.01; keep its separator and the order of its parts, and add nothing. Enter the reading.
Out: 8.13
